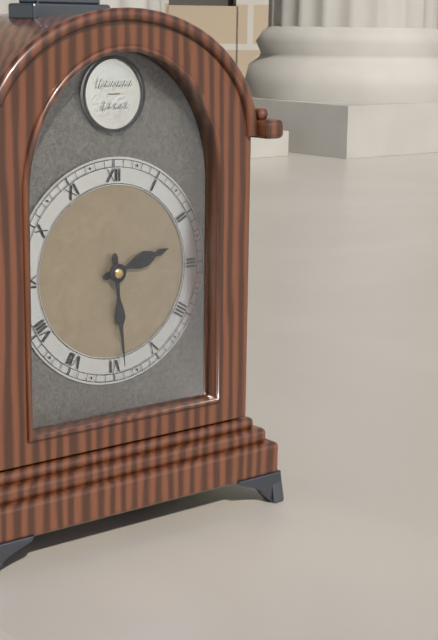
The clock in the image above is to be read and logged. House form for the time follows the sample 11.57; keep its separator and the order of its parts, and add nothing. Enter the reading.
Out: 2.29
